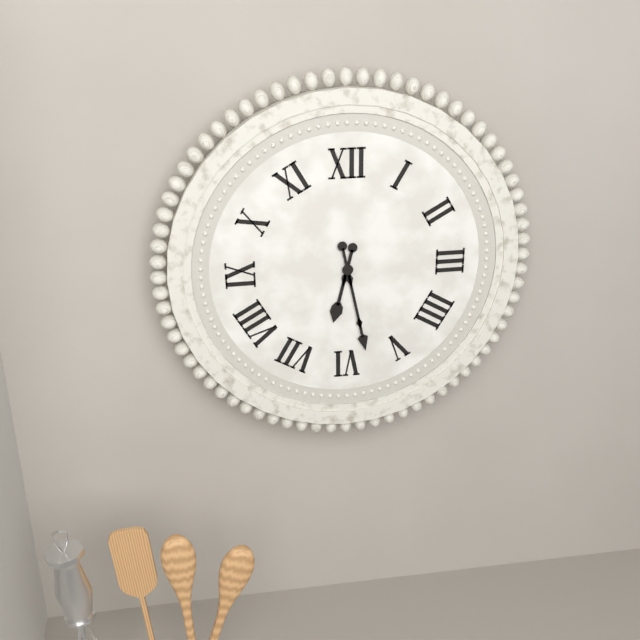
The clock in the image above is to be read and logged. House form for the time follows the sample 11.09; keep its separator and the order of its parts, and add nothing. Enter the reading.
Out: 6.28
